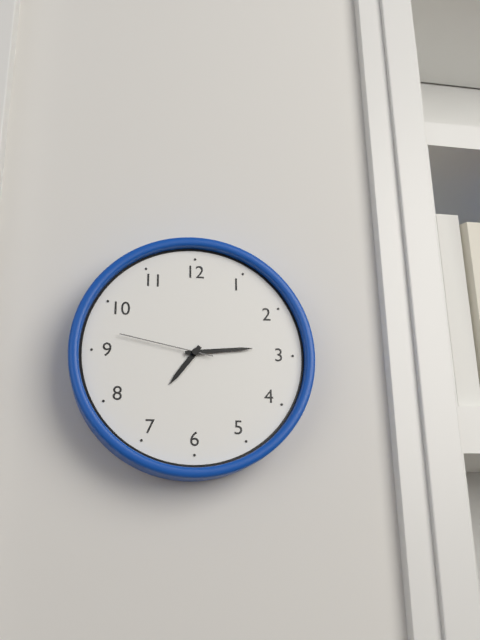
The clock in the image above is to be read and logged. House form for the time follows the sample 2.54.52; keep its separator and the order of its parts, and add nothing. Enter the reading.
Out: 7.14.47
